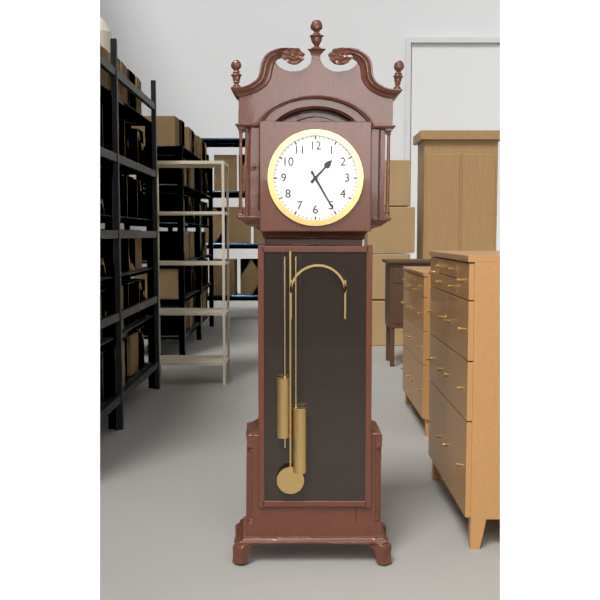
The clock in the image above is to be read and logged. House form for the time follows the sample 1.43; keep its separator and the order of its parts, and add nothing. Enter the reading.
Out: 1.25
